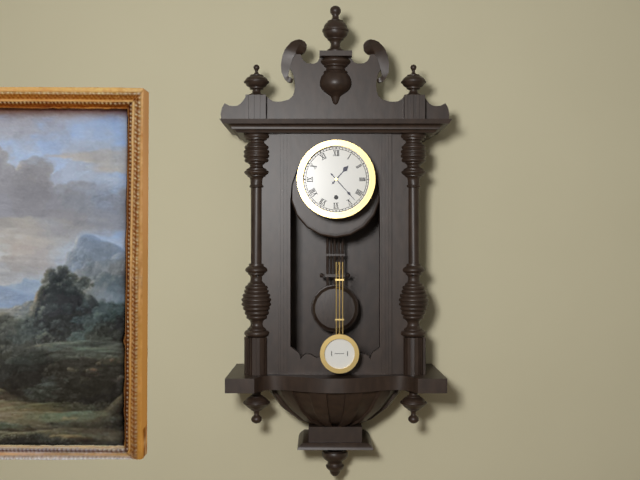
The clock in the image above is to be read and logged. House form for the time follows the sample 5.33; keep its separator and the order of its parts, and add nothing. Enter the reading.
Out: 1.23
